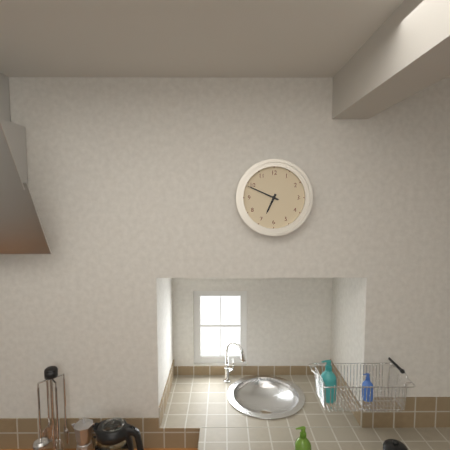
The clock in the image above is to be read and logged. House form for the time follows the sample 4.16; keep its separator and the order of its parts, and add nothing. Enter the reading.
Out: 6.49
